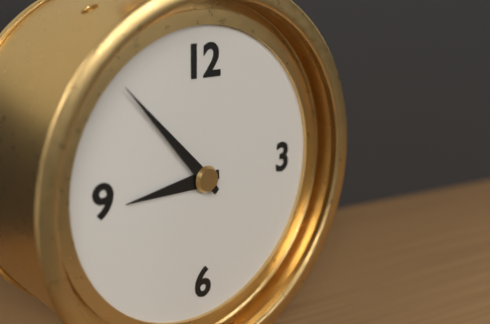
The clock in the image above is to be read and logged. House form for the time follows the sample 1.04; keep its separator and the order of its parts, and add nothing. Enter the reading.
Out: 8.53
